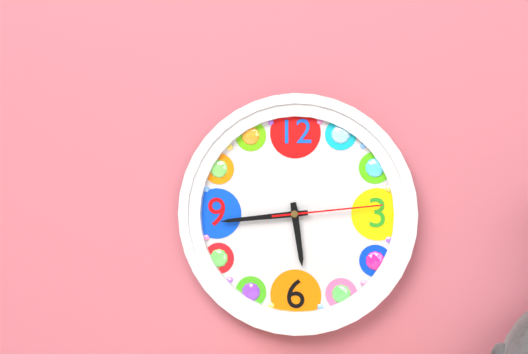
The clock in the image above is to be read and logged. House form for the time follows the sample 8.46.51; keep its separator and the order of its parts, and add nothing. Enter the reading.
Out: 5.44.14
